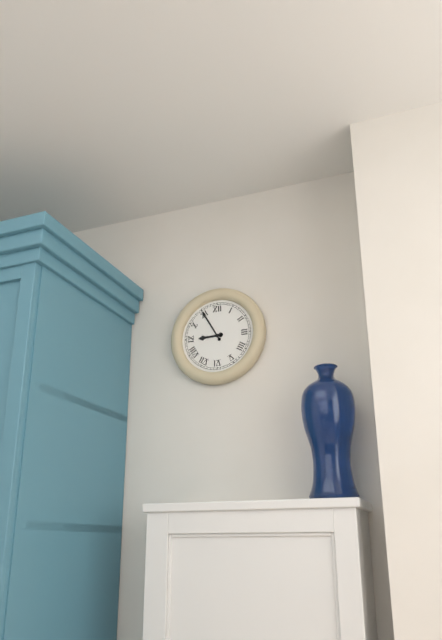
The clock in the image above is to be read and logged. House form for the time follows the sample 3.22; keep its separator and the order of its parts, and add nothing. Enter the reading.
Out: 8.55
